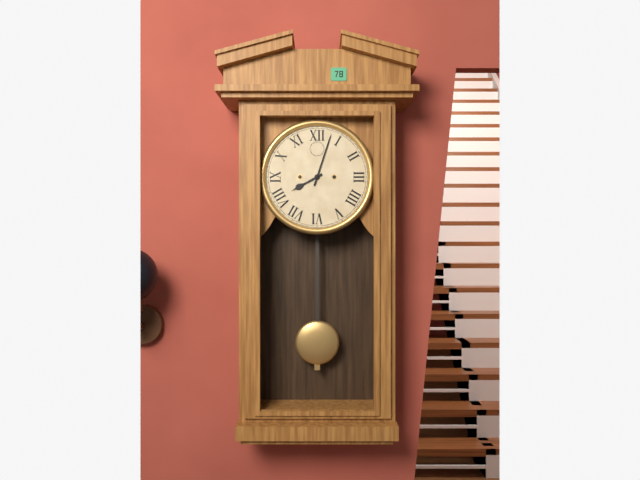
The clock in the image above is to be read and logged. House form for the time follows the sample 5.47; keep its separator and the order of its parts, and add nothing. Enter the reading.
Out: 8.03
